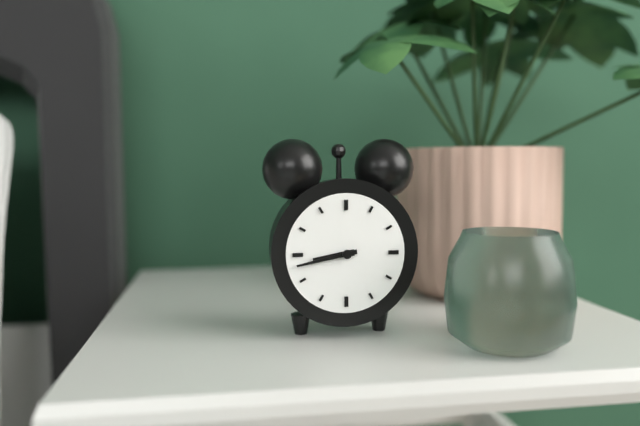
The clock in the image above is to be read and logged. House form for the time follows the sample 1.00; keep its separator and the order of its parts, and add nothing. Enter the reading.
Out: 8.43
